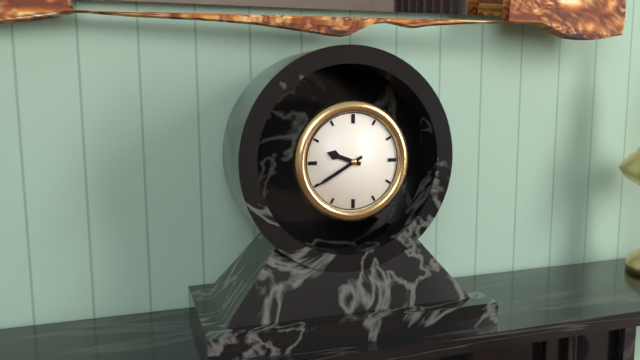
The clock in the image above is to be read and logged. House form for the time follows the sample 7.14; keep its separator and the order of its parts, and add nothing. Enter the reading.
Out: 9.40
